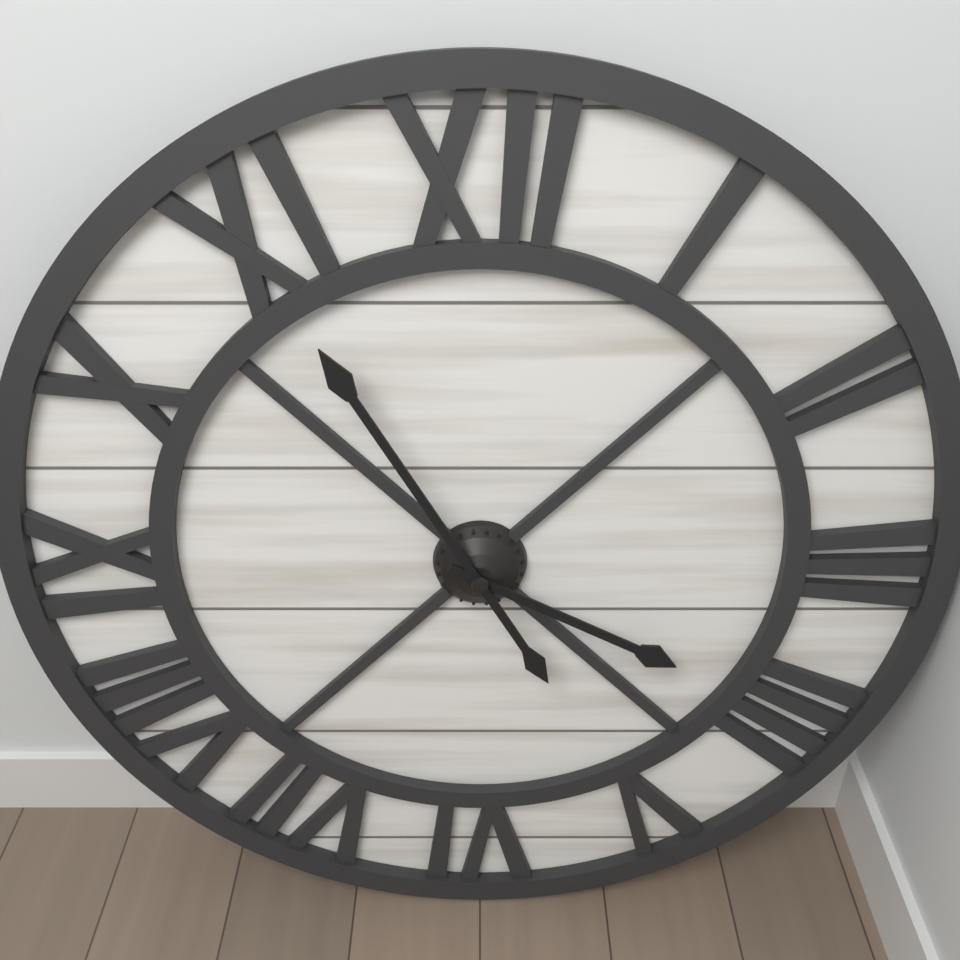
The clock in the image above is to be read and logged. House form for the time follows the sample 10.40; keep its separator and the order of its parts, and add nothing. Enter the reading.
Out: 3.55
